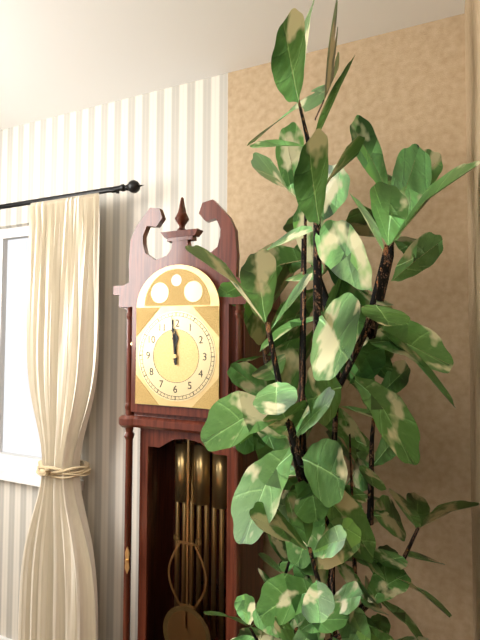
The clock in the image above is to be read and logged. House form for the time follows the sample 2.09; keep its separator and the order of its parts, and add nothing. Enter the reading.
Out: 11.59
